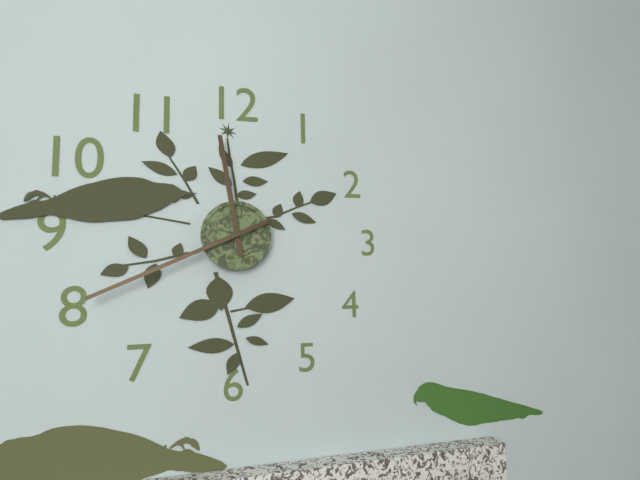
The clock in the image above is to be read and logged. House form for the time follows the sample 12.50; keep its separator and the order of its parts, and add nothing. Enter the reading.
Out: 11.41
